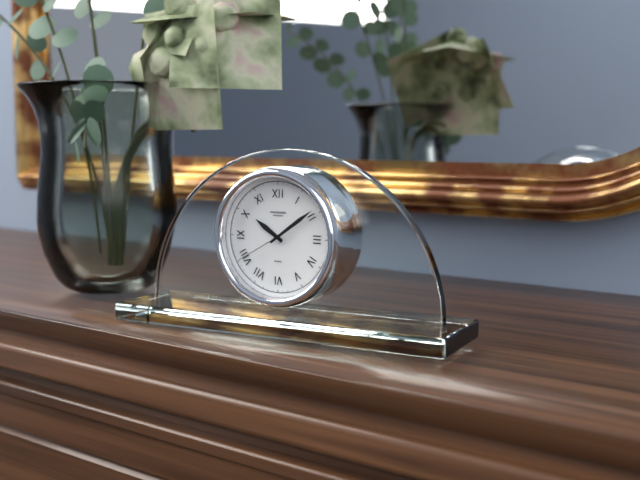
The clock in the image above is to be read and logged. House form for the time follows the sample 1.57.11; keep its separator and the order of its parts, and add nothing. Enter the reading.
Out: 10.09.40
